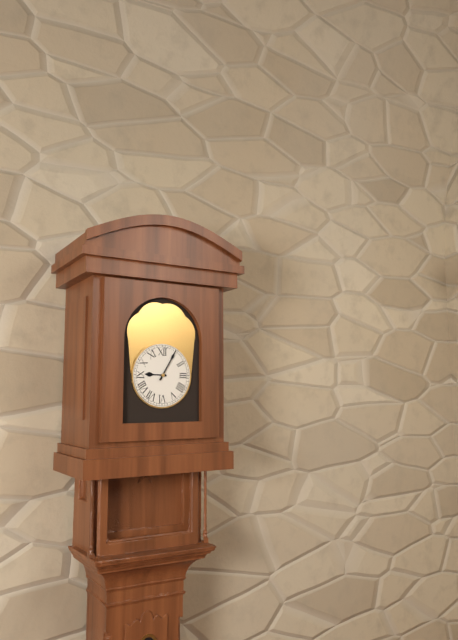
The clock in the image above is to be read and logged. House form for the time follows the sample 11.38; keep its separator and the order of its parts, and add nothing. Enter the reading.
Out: 9.05
